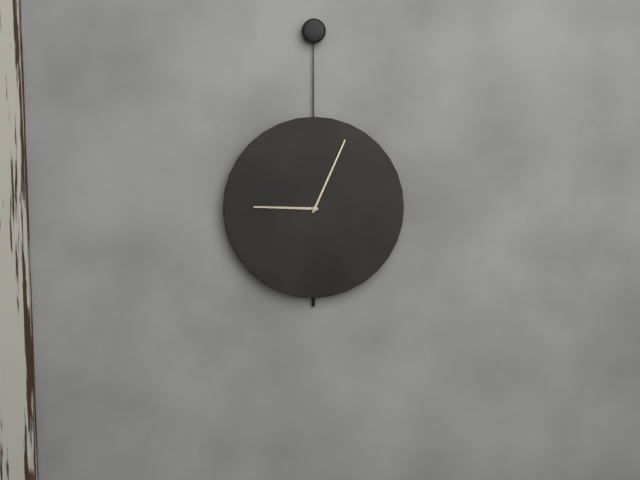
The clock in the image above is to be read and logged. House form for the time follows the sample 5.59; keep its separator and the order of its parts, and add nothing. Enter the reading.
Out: 9.04
